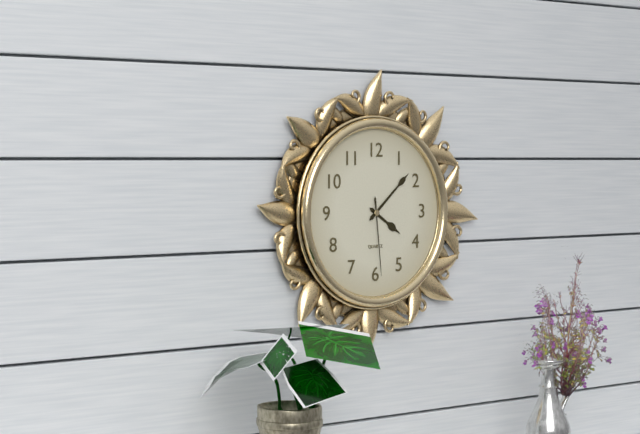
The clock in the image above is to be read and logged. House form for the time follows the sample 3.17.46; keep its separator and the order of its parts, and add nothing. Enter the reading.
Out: 4.08.29
